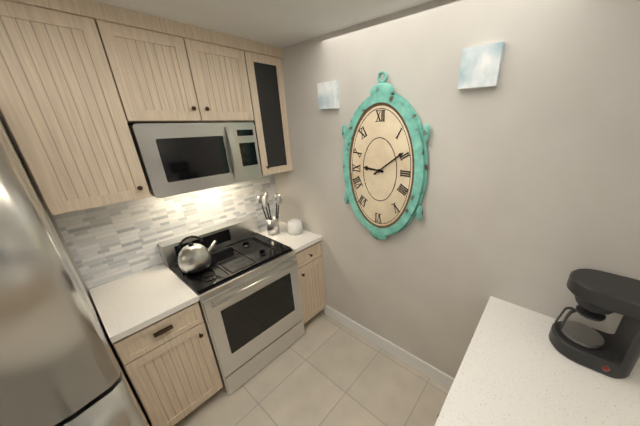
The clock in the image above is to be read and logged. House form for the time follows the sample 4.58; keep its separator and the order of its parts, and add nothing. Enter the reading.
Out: 9.09
